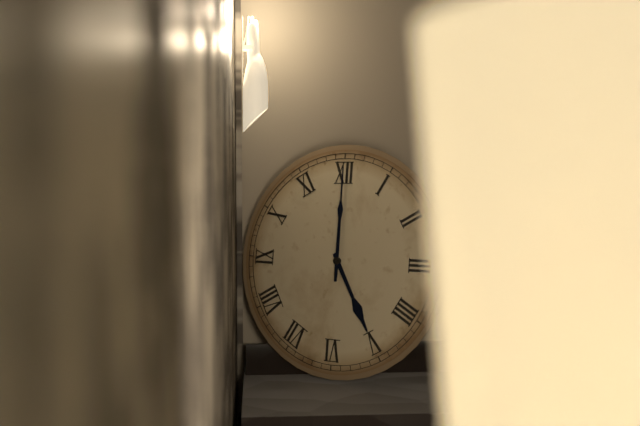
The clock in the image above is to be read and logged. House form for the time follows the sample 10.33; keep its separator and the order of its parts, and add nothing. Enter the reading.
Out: 5.00
